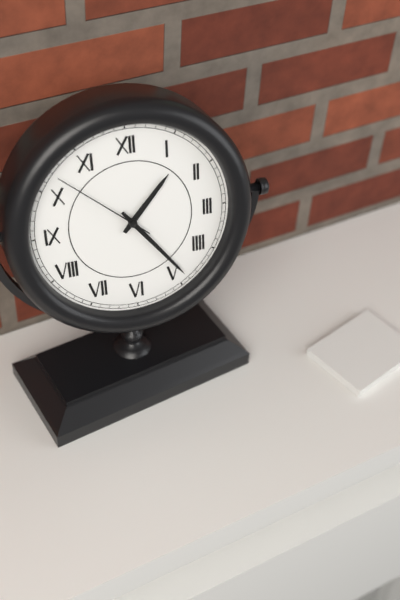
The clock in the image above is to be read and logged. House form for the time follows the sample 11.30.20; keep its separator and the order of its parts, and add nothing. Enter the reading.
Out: 1.24.52
